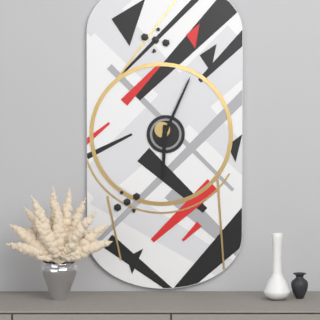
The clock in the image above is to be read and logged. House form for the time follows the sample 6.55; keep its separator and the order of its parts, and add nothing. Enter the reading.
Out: 6.04
